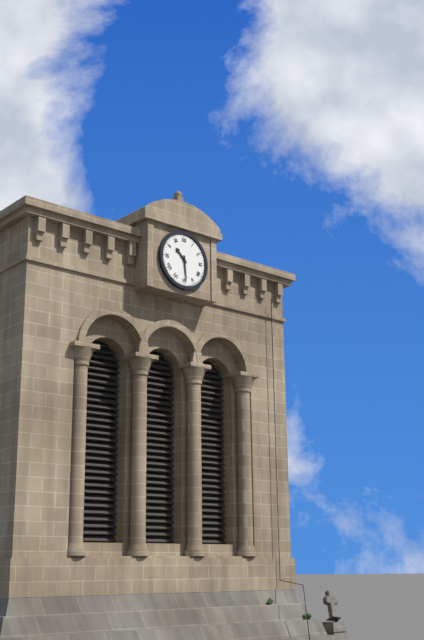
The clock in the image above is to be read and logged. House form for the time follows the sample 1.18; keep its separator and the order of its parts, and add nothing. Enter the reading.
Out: 10.29
